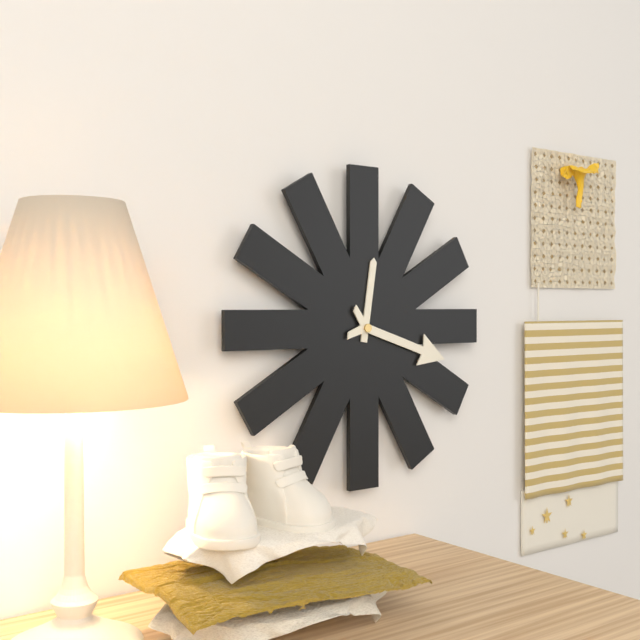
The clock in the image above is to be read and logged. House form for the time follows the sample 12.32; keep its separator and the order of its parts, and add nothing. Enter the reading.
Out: 12.18
